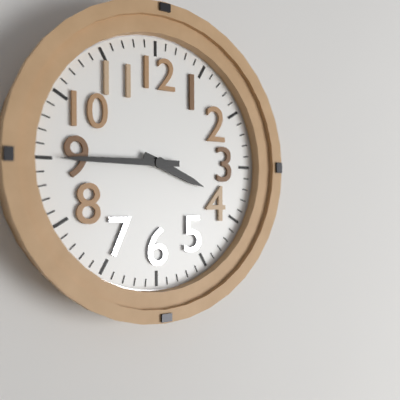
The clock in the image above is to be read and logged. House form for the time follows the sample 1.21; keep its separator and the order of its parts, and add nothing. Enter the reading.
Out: 3.45
